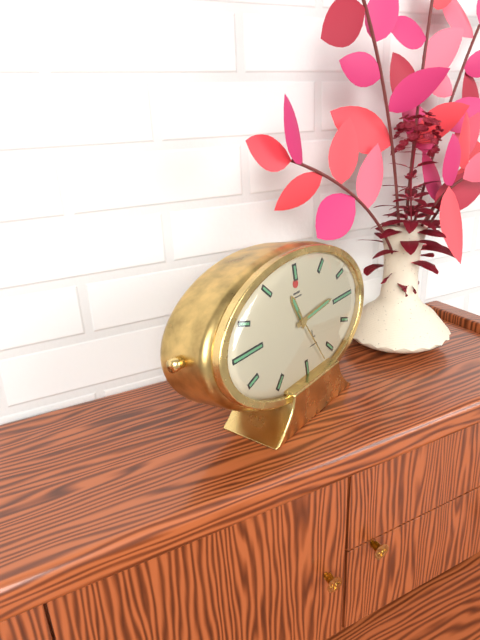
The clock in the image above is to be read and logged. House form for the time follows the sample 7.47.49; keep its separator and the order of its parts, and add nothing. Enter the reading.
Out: 11.14.25
